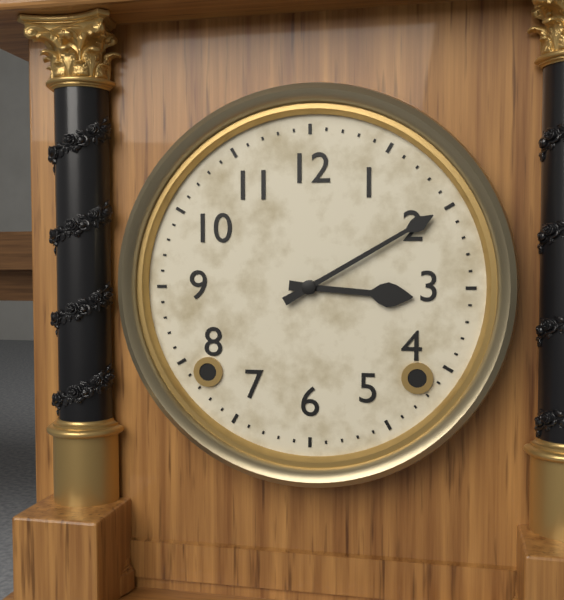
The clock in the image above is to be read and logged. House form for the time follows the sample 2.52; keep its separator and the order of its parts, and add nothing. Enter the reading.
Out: 3.10
